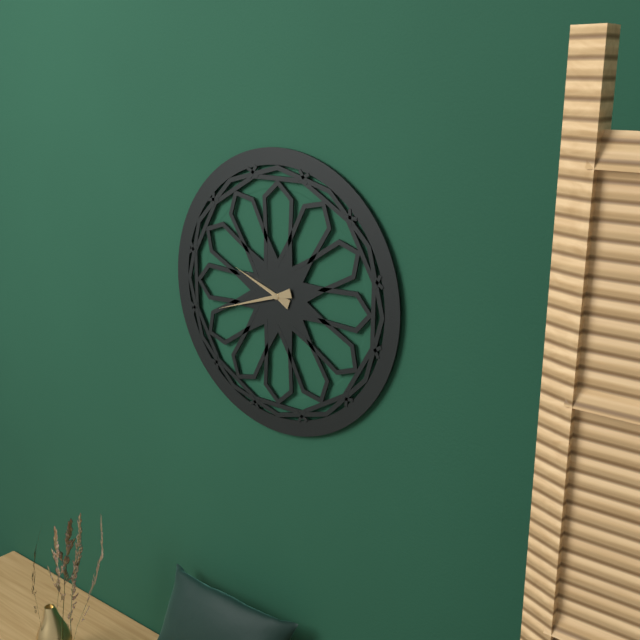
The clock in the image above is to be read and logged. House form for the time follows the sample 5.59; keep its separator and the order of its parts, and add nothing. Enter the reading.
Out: 9.42
